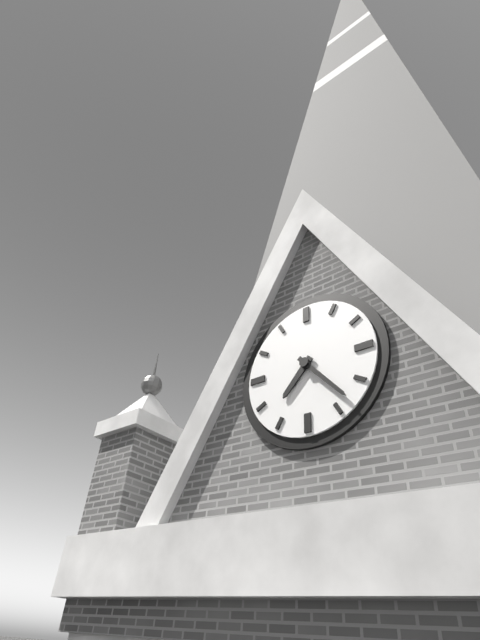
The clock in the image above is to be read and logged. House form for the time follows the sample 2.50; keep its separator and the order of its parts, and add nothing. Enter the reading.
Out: 7.23
